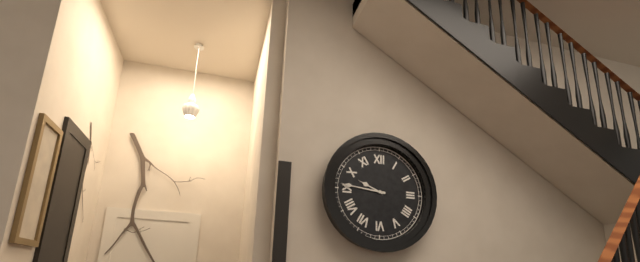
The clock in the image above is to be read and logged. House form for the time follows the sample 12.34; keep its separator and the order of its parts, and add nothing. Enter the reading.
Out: 9.46
